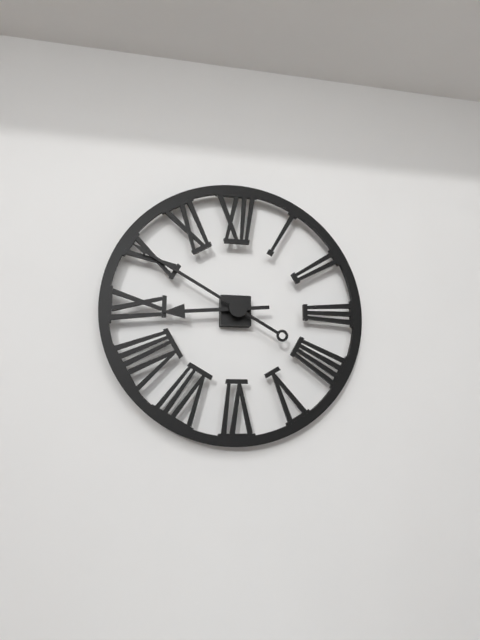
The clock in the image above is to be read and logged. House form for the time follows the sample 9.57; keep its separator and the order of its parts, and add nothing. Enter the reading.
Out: 8.50
